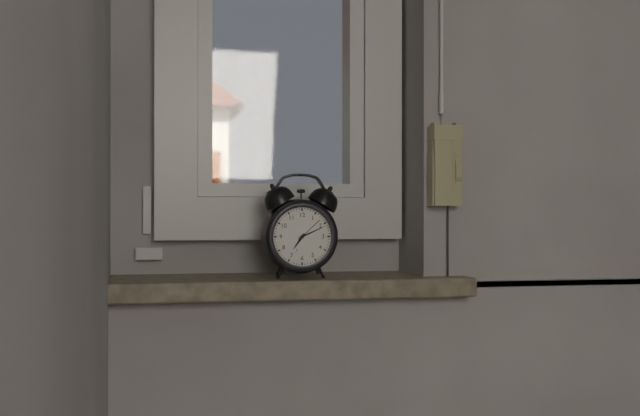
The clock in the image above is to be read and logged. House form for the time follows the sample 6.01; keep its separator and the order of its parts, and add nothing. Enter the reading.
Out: 7.11
